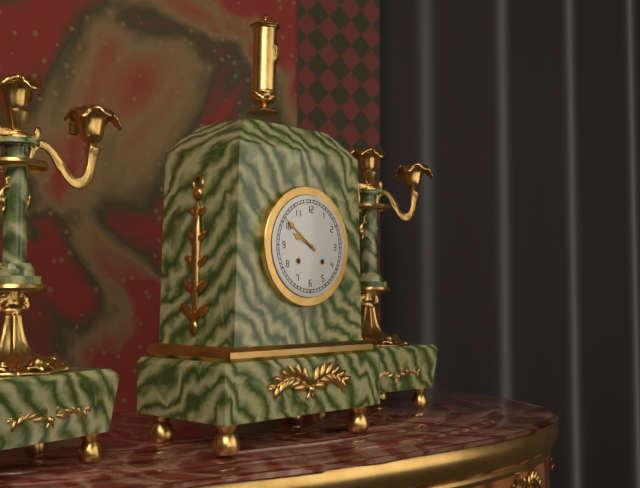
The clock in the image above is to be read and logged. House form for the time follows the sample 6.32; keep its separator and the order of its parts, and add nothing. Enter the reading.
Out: 9.51
